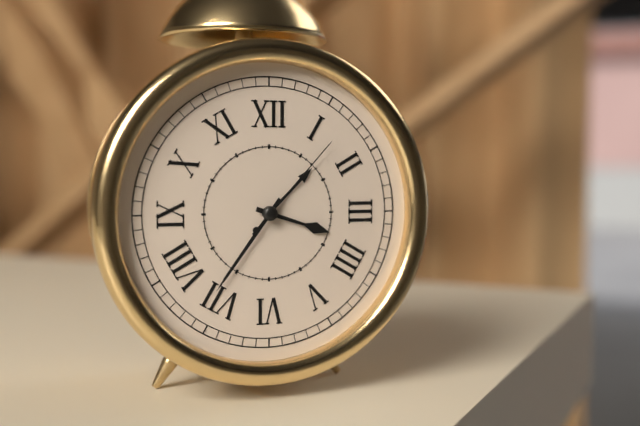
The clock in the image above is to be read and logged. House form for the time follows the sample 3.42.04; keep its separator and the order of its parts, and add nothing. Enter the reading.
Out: 3.36.07
